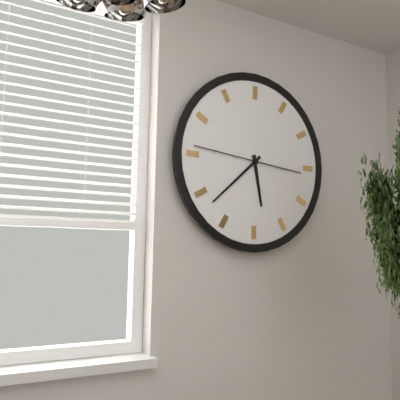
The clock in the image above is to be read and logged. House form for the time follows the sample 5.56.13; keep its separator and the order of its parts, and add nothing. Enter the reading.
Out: 5.38.46
